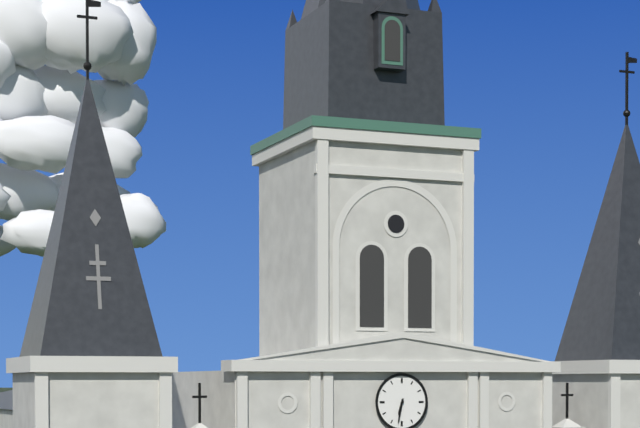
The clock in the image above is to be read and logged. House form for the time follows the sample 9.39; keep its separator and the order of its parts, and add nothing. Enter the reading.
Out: 6.32
